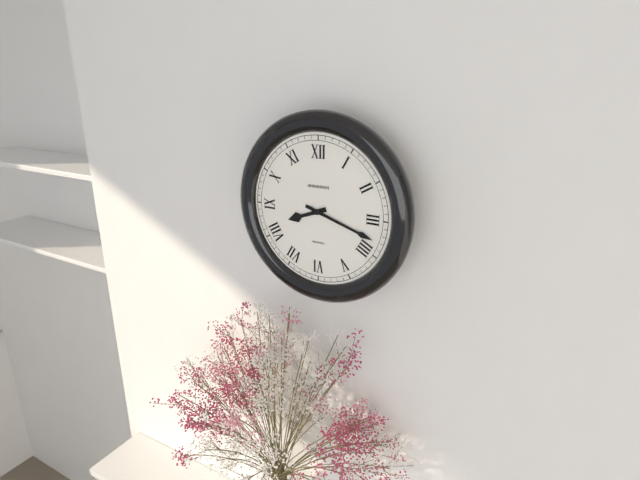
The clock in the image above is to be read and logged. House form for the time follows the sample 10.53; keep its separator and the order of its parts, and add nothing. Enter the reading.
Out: 8.18
